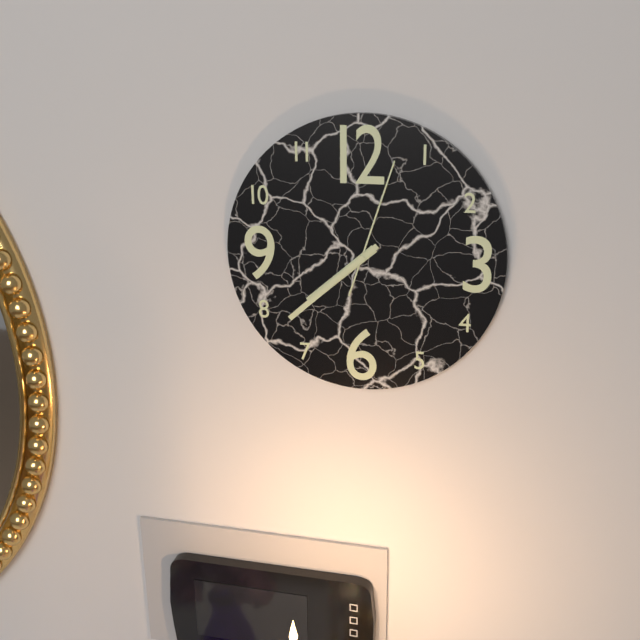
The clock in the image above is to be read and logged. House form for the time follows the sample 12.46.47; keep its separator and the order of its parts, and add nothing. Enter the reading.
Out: 7.38.03
